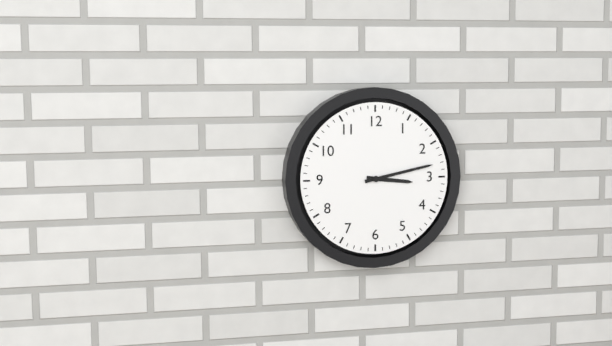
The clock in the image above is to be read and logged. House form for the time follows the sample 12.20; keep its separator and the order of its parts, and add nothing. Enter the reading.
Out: 3.13
